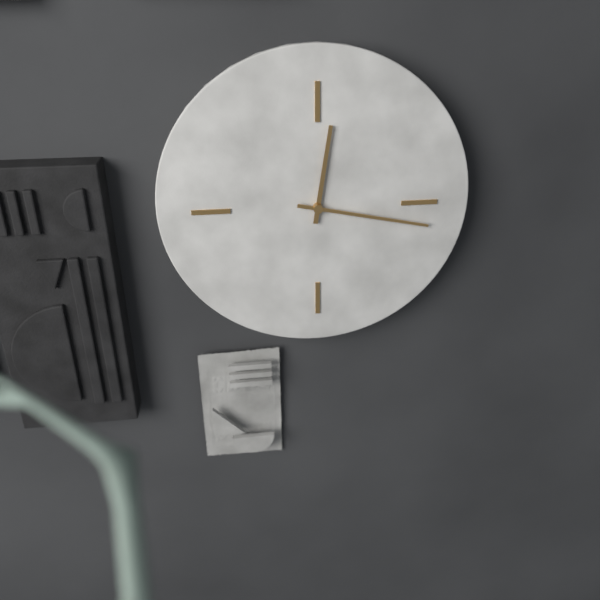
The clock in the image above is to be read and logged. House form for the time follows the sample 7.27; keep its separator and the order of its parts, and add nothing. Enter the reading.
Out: 12.17
